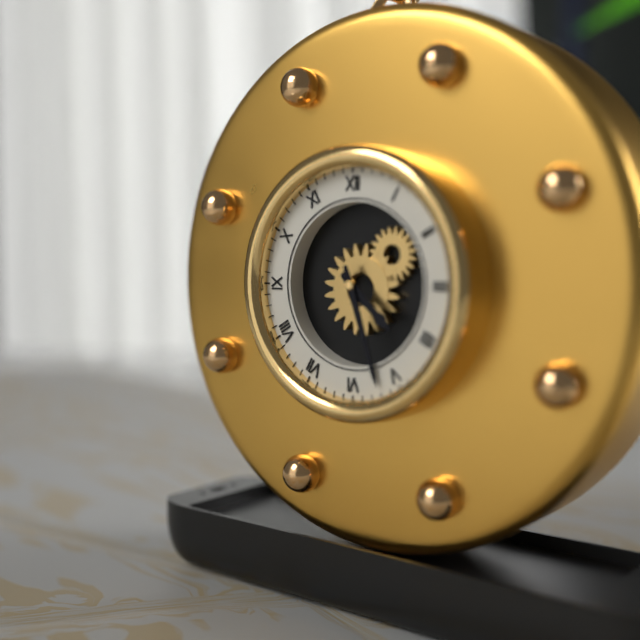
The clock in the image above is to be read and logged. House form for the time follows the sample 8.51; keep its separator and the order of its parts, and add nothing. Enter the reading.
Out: 4.27
